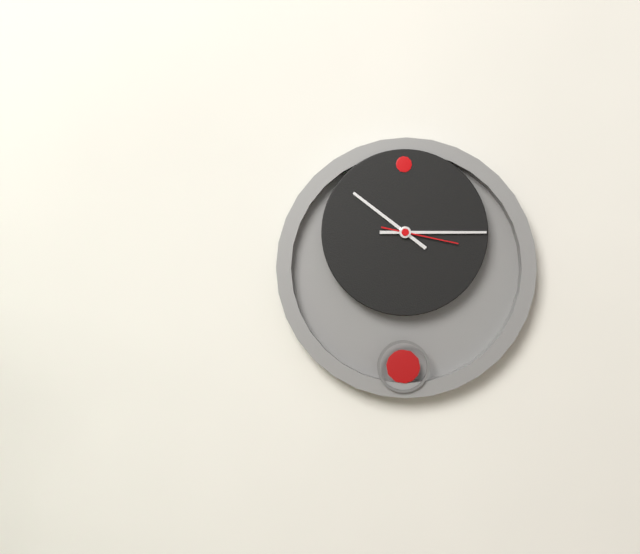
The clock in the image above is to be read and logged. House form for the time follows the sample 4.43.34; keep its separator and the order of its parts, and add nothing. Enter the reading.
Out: 10.15.17
